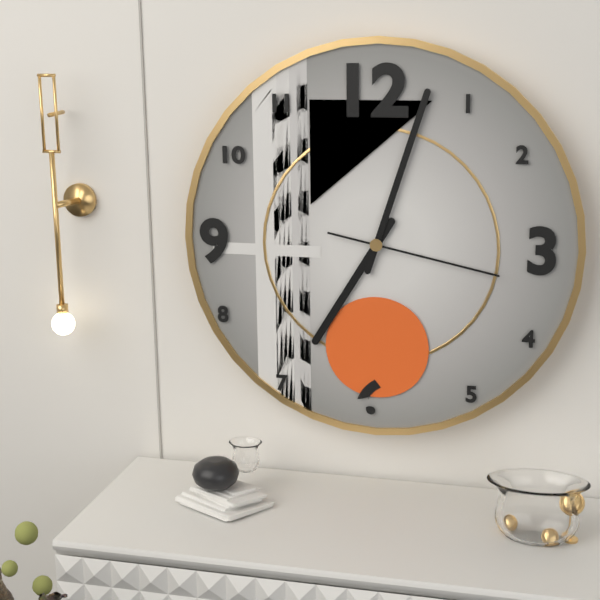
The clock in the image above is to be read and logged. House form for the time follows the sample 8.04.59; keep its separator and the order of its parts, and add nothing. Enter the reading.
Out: 7.03.17
